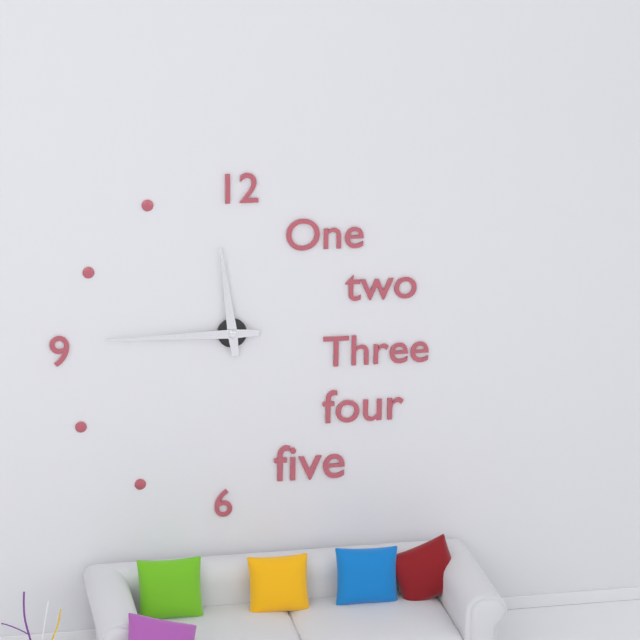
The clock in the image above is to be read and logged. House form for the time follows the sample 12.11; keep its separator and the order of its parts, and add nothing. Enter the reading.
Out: 11.45
